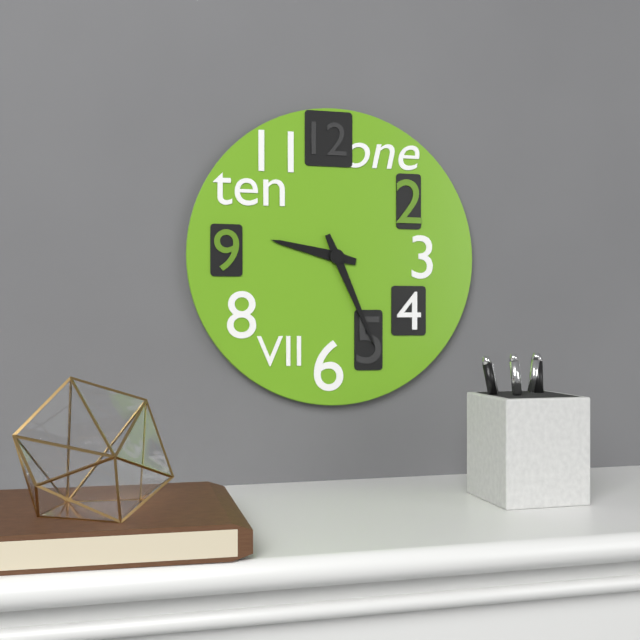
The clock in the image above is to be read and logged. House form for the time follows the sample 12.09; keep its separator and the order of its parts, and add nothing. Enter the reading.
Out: 9.26
